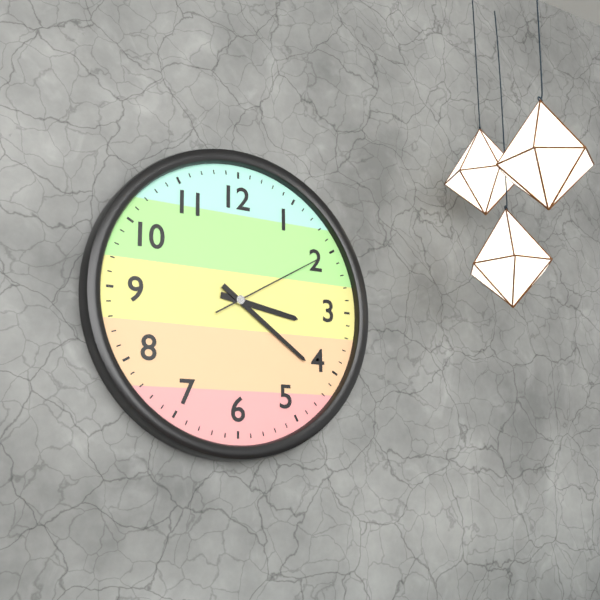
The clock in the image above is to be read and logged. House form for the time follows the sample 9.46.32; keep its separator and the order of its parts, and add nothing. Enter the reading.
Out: 3.21.10
